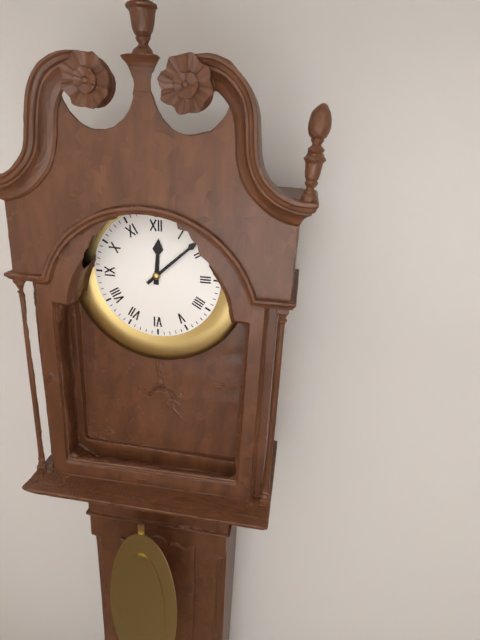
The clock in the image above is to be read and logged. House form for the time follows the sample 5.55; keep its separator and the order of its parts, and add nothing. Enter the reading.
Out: 12.08
